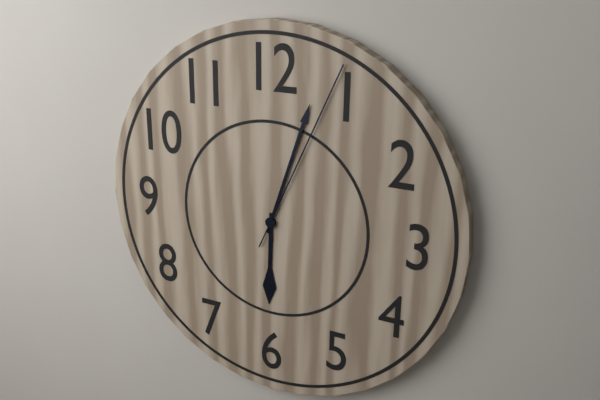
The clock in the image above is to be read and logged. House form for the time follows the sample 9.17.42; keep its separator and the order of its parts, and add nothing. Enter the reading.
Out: 6.03.04
